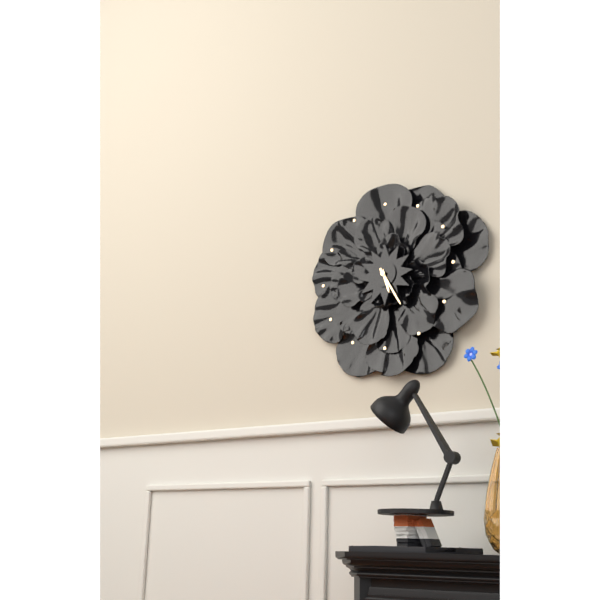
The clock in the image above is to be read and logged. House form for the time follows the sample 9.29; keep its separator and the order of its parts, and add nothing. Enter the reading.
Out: 5.25
